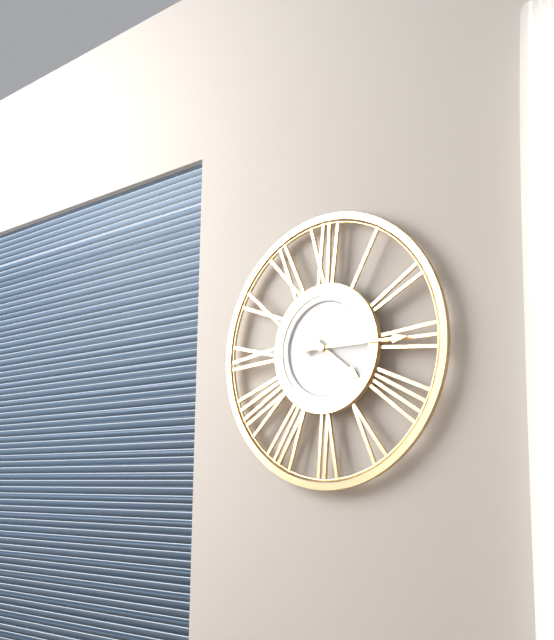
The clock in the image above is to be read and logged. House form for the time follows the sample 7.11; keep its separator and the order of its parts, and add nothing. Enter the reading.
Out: 4.15
